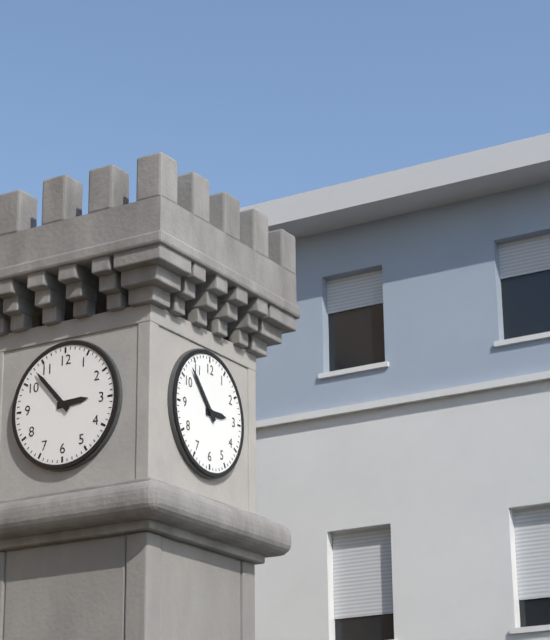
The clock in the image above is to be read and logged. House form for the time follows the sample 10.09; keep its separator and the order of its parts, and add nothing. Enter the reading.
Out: 2.53
